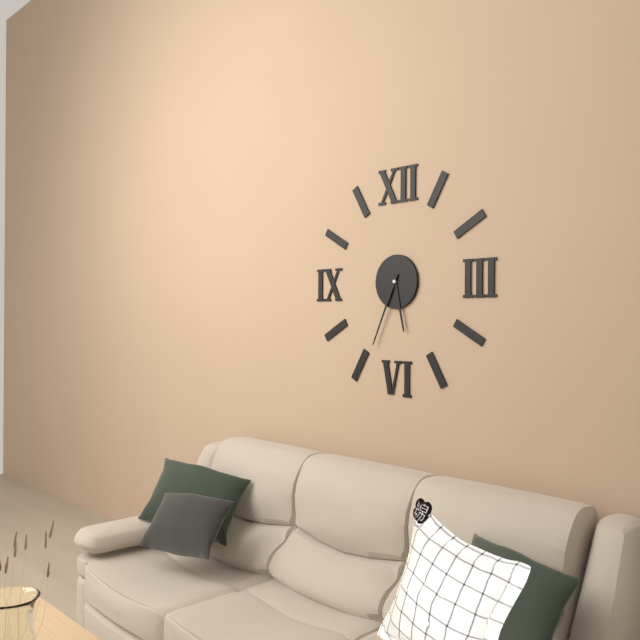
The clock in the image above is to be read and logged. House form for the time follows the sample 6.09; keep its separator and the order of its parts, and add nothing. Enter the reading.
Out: 5.34
